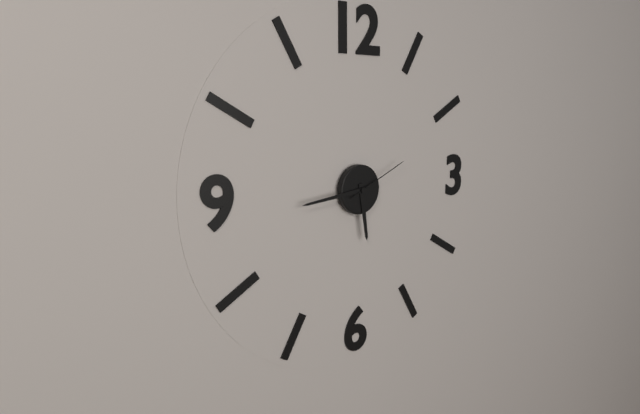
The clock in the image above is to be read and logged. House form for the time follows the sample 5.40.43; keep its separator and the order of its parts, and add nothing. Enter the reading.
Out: 5.44.11
